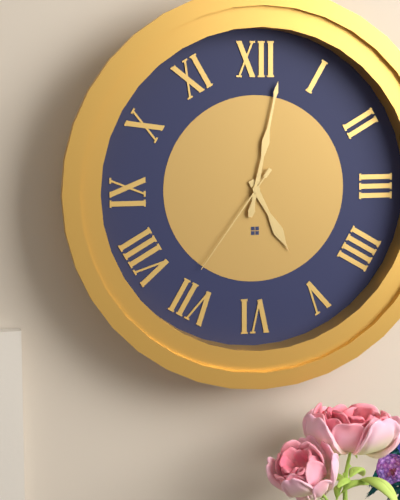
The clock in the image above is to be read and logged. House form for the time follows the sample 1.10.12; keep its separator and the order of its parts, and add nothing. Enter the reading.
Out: 5.02.36
